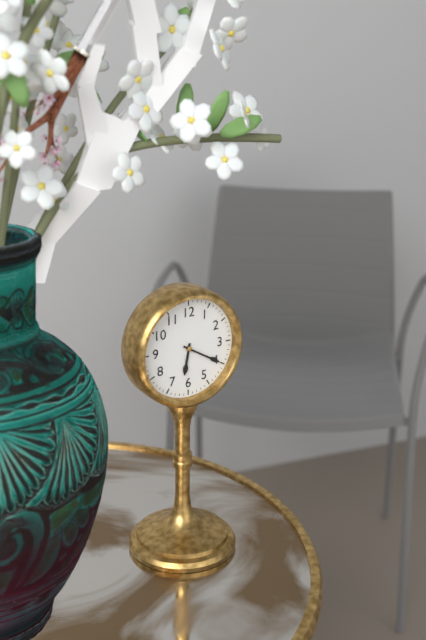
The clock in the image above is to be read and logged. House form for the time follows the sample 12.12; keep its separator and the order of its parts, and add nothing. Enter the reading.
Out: 6.20
